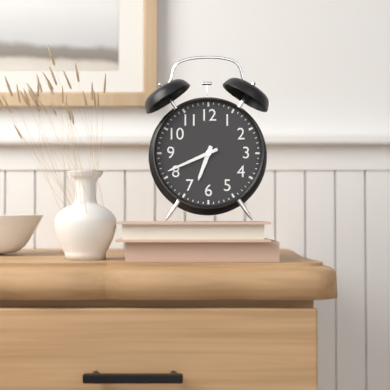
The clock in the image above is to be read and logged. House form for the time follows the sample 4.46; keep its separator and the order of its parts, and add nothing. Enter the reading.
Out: 6.41
